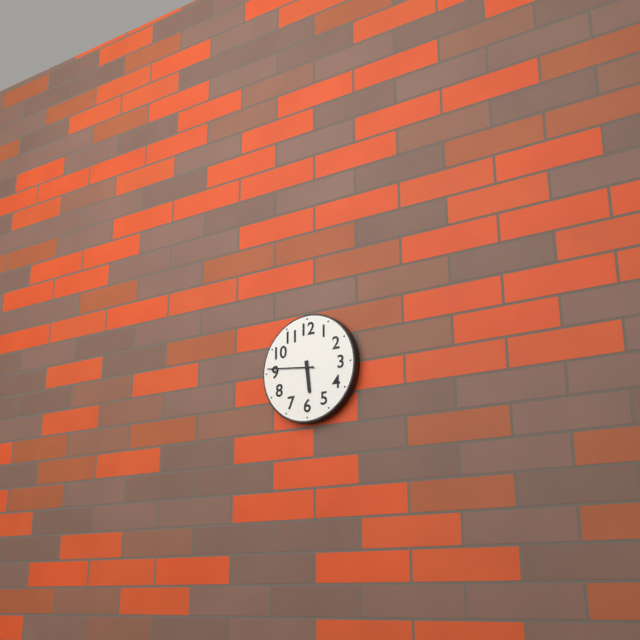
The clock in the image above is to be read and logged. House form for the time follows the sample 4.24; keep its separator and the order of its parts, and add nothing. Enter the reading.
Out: 5.46
